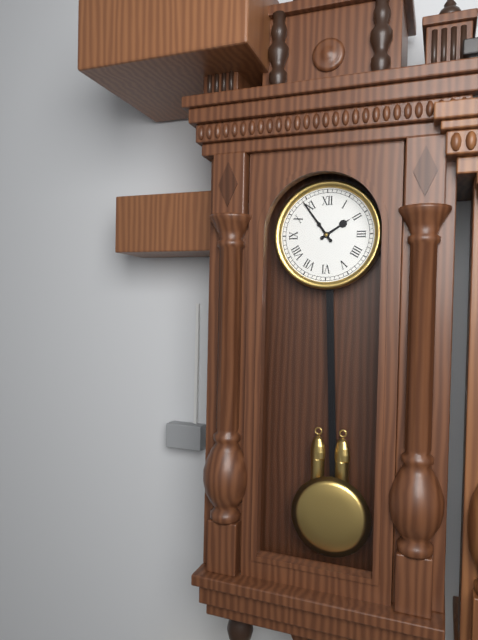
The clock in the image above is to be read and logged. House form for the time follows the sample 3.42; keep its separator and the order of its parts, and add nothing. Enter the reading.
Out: 1.54
